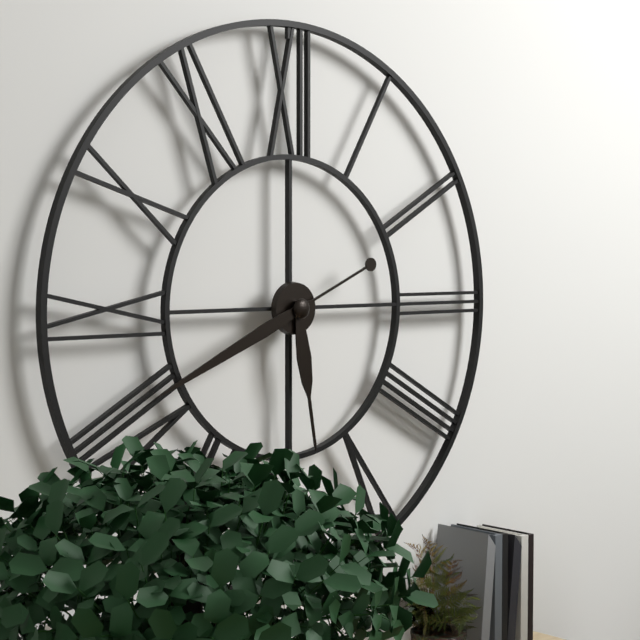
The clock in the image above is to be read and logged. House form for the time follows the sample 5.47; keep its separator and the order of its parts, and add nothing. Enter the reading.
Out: 5.41
